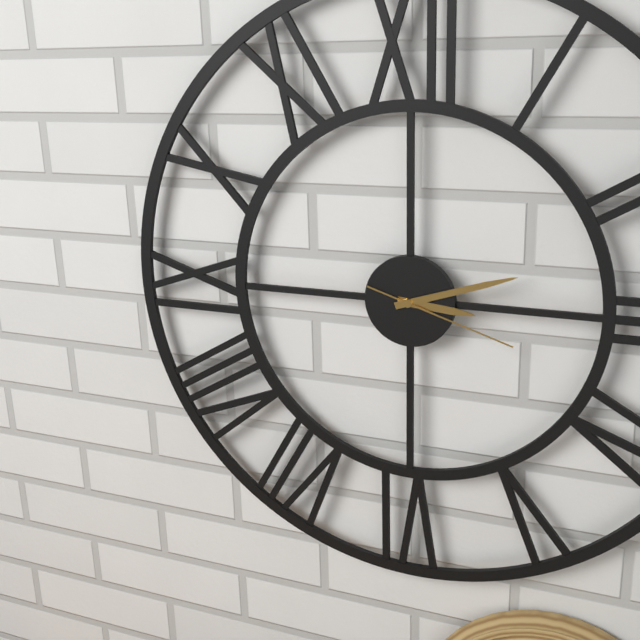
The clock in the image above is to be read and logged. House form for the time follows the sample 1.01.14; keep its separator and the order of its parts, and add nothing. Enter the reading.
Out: 3.12.18
